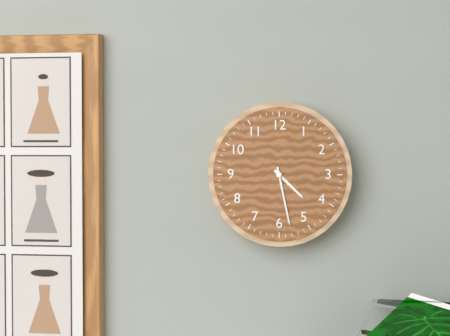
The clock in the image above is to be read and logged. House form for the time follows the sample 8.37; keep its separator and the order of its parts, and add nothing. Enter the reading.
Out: 4.28
